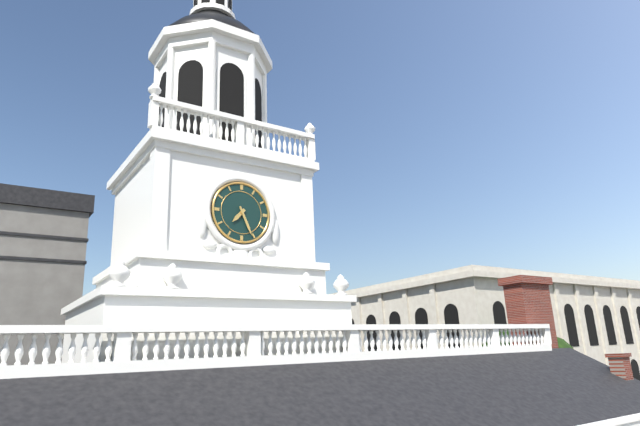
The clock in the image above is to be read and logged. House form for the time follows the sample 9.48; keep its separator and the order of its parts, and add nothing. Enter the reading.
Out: 7.26
